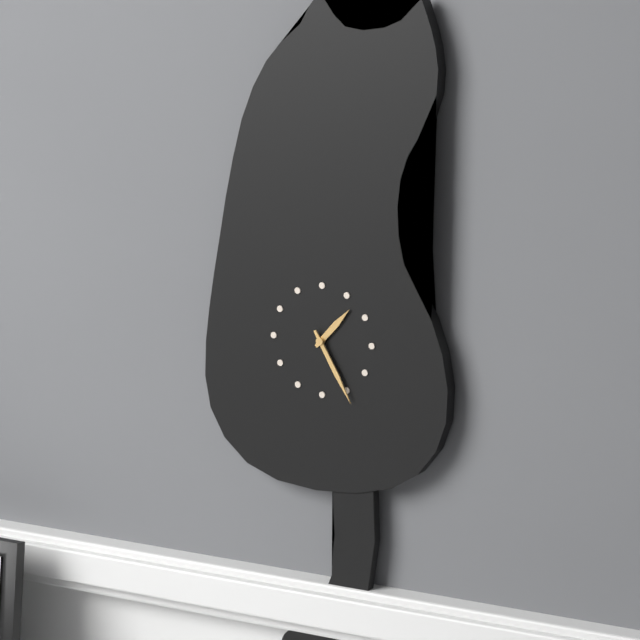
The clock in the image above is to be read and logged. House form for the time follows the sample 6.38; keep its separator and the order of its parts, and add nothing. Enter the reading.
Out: 1.25
